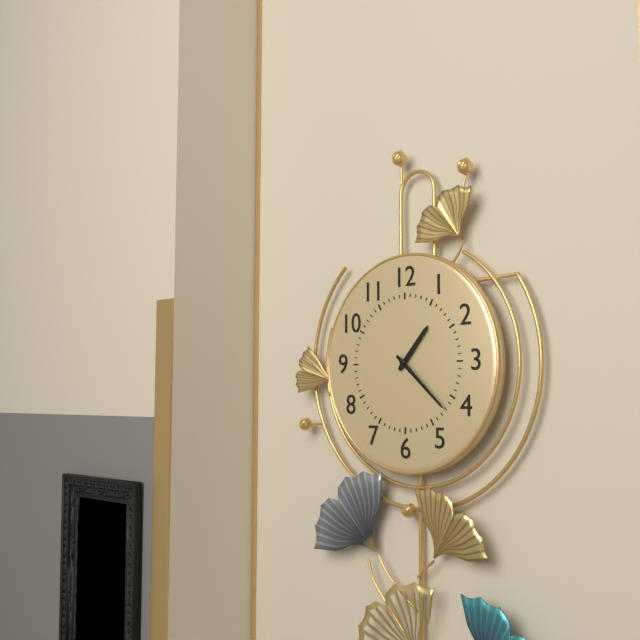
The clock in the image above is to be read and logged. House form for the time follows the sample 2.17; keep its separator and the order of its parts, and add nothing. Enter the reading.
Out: 1.22
